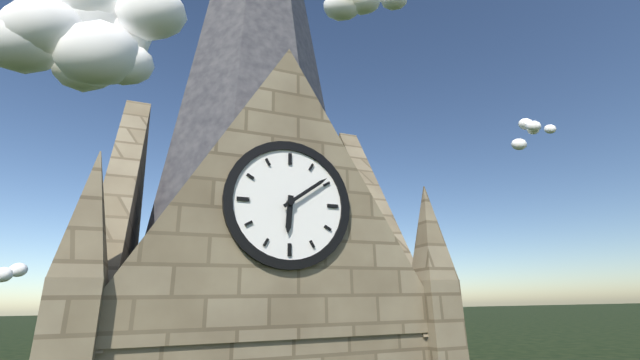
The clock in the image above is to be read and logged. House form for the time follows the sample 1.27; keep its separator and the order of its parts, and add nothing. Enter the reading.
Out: 6.09
